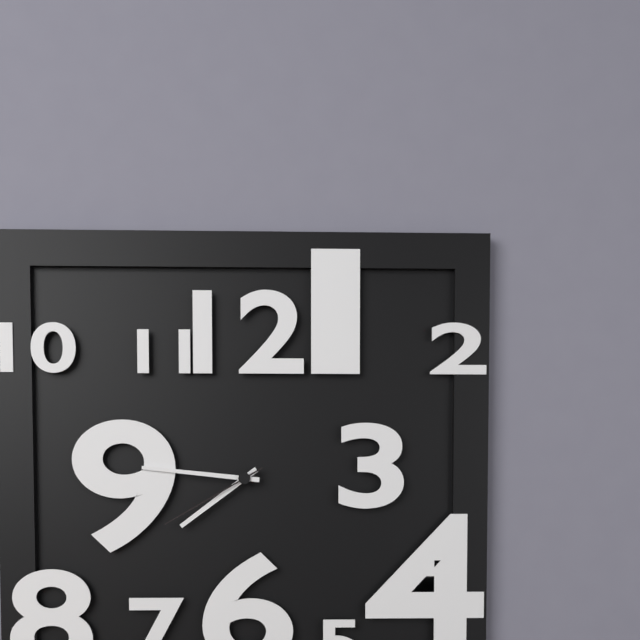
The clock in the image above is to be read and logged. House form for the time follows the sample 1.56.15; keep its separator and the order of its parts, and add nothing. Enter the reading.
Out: 7.46.40
